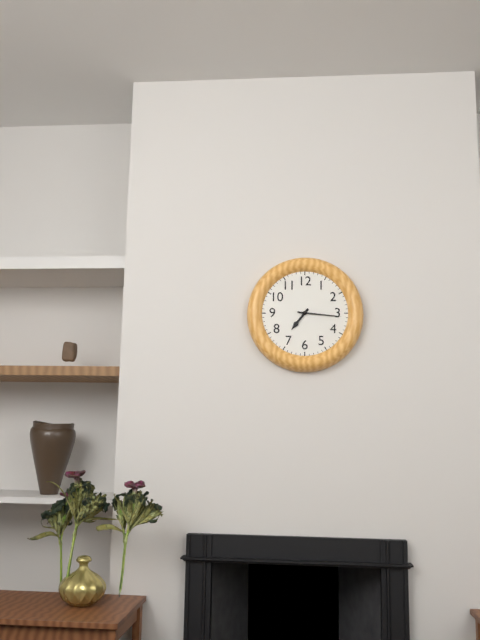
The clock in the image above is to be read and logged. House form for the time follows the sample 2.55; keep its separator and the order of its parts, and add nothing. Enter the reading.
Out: 7.16
